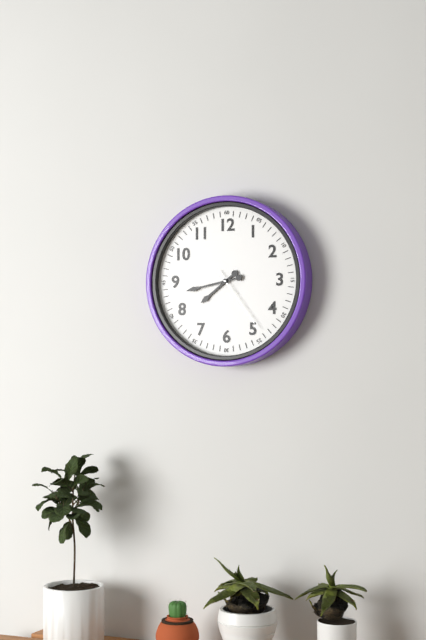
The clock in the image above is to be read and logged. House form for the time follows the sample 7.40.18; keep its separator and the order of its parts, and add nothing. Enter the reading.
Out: 7.43.24
